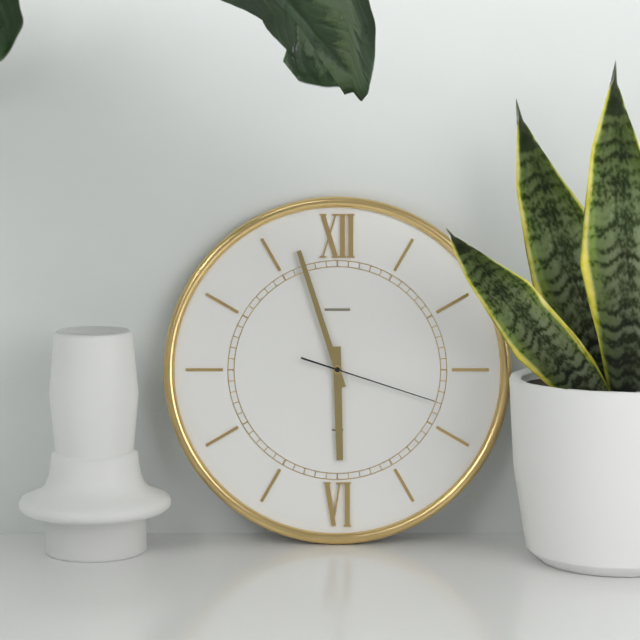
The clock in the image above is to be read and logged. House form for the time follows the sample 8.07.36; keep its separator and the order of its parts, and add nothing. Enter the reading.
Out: 5.57.18
